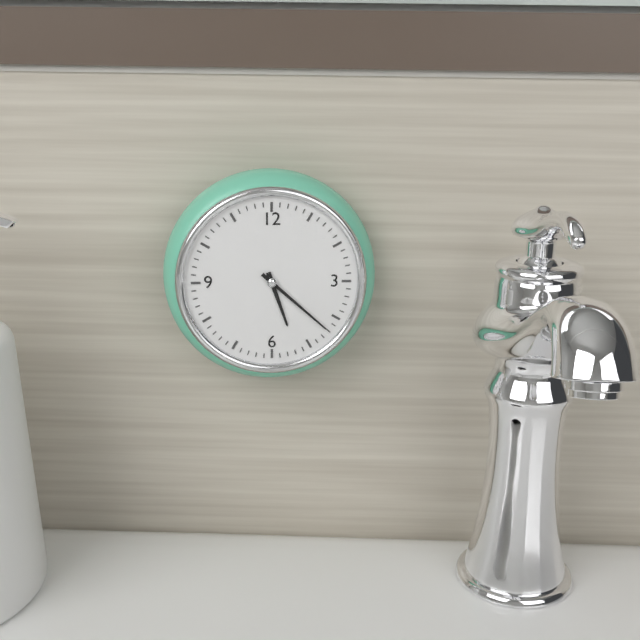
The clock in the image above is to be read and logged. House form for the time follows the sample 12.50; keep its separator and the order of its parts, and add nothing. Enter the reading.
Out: 5.22
